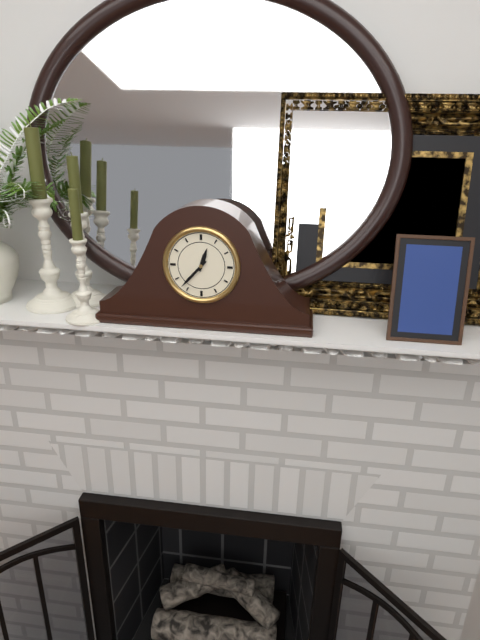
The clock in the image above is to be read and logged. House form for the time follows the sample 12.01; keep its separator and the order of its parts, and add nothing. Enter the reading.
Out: 12.37
